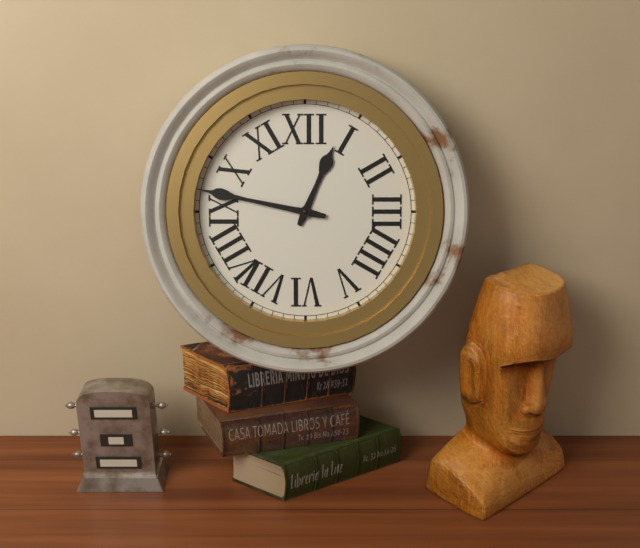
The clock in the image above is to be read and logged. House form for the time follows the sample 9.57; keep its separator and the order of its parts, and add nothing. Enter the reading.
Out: 12.47
